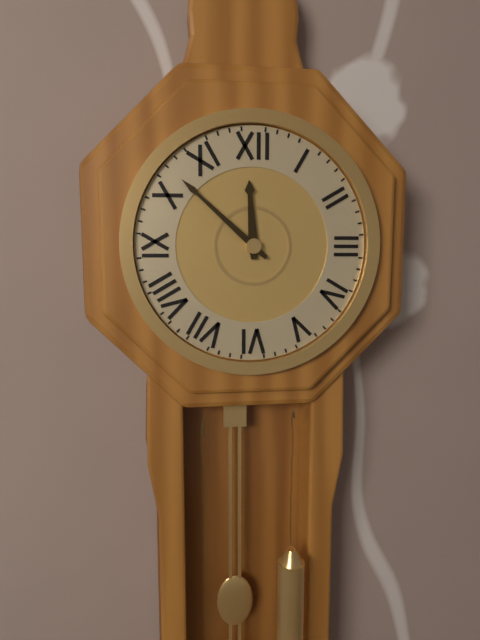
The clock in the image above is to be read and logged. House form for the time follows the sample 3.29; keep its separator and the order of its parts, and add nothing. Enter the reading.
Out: 11.52
